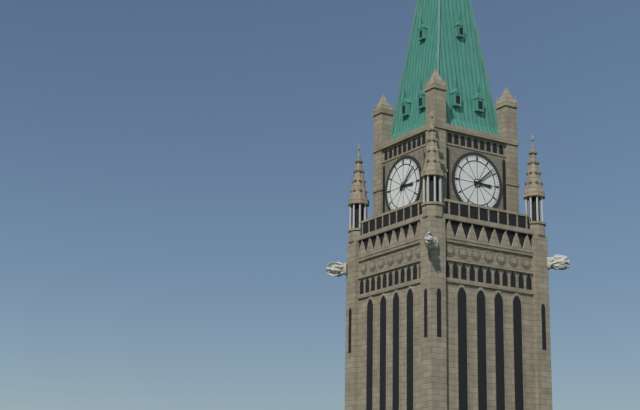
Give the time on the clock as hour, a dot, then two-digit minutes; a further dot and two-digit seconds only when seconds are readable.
3.08
